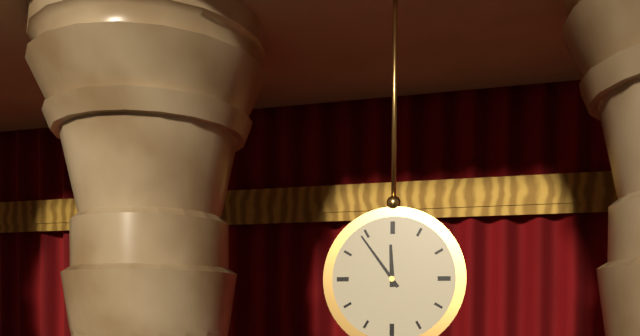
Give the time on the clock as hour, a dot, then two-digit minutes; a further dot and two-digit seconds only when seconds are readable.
11.54
